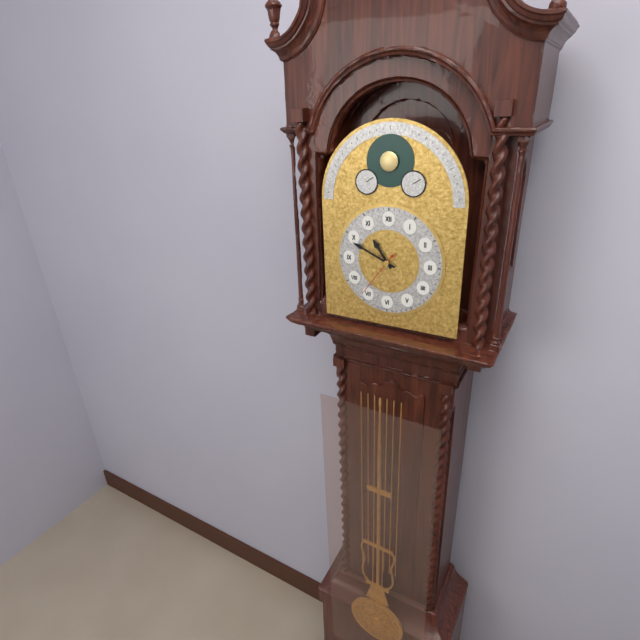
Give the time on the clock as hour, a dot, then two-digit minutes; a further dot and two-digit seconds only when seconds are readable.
10.49
